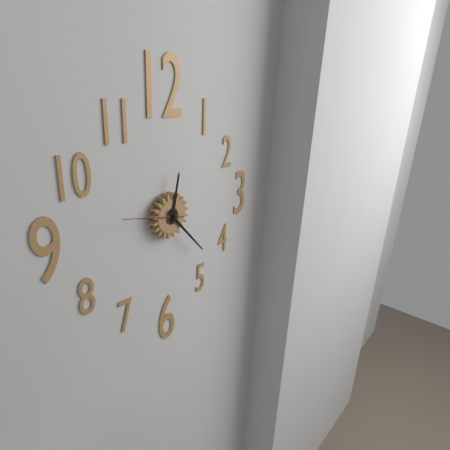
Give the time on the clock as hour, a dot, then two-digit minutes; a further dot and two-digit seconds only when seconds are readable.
12.23.47
